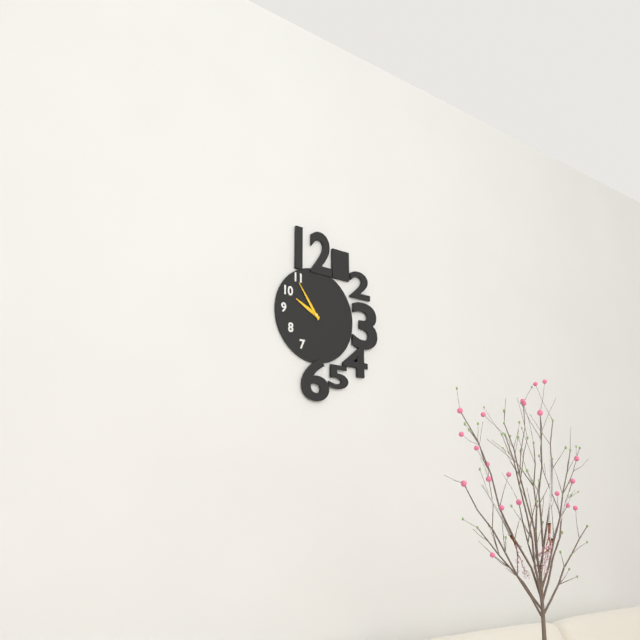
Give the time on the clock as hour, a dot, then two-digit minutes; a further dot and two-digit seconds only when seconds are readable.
9.54
